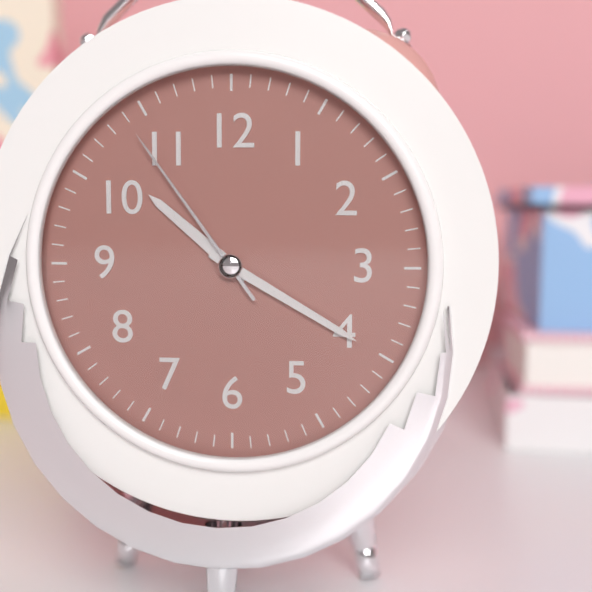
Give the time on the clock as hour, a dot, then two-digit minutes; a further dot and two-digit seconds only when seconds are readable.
10.20.54
